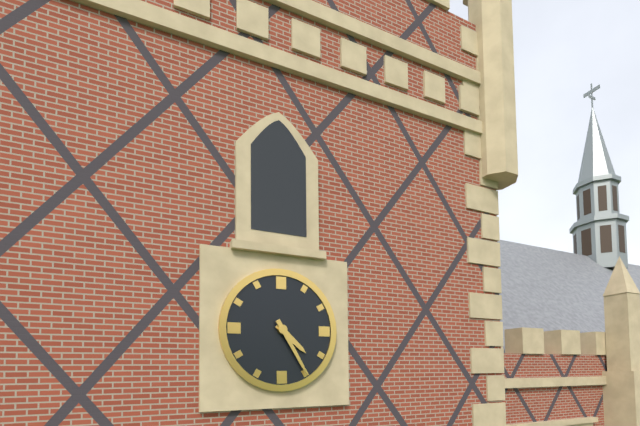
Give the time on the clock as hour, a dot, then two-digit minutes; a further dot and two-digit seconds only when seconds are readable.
4.25
